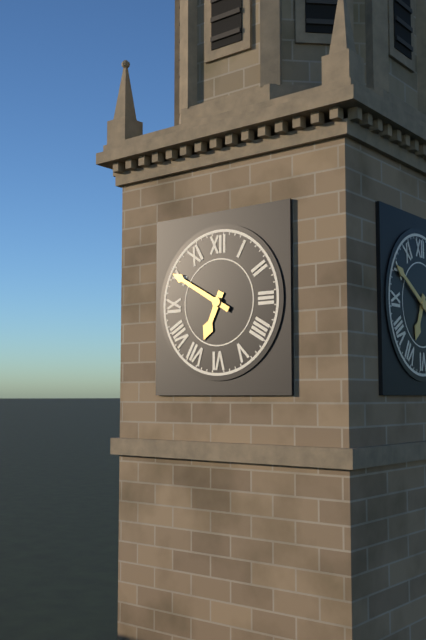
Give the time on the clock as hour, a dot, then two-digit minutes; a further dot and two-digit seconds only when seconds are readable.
6.50
